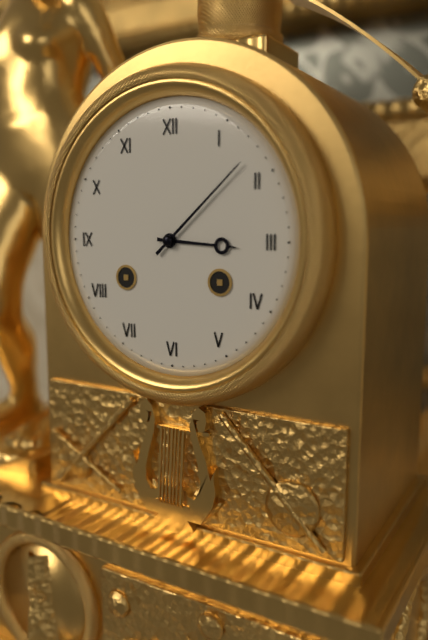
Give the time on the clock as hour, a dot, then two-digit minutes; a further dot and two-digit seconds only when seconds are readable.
3.08
